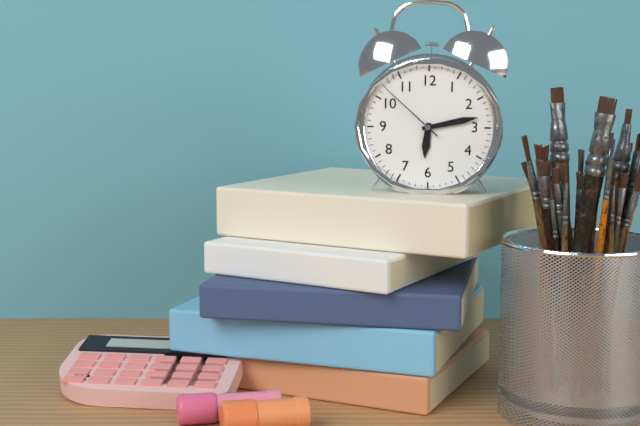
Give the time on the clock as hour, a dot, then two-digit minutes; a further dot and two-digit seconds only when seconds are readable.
6.13.52
